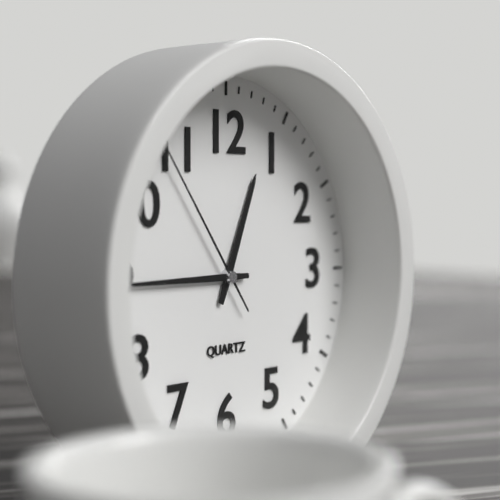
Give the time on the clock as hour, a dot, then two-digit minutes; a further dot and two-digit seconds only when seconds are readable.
12.45.54
